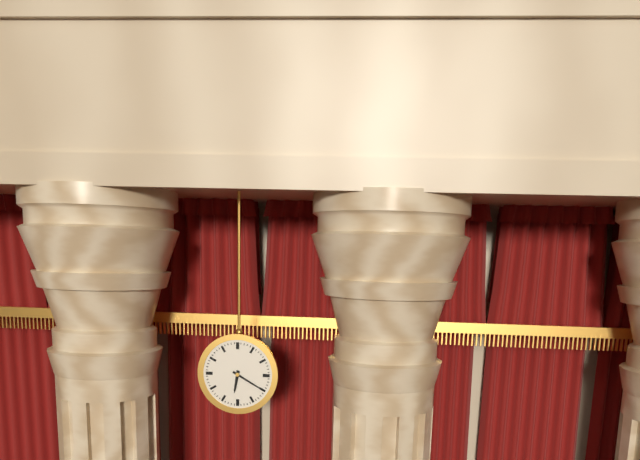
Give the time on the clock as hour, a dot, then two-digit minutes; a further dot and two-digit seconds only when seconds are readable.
6.20
